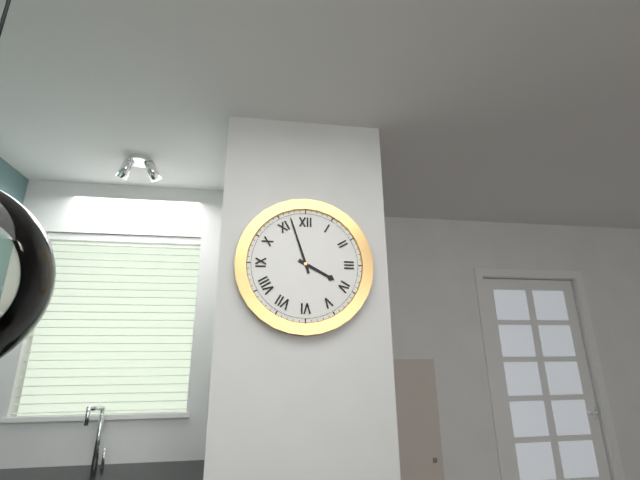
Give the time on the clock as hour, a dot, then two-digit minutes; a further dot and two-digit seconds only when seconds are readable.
3.57
